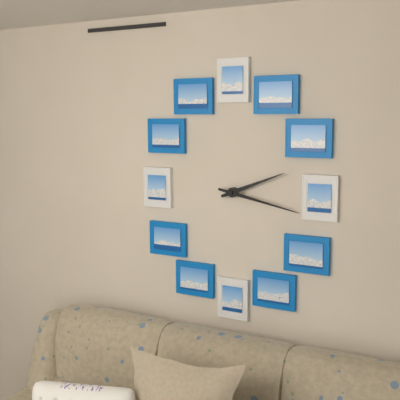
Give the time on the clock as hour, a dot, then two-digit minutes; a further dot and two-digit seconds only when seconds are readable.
2.17
